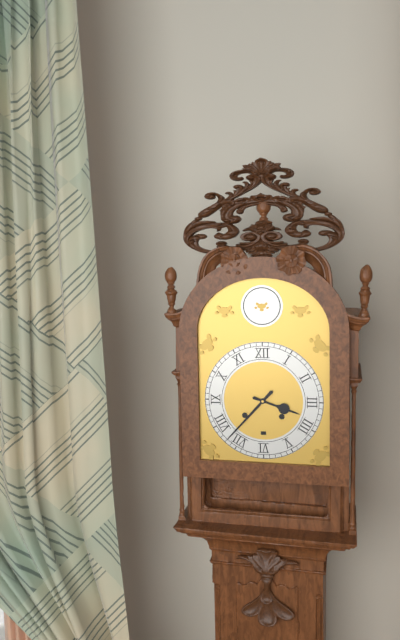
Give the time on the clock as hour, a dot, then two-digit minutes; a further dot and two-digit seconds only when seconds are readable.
3.37
